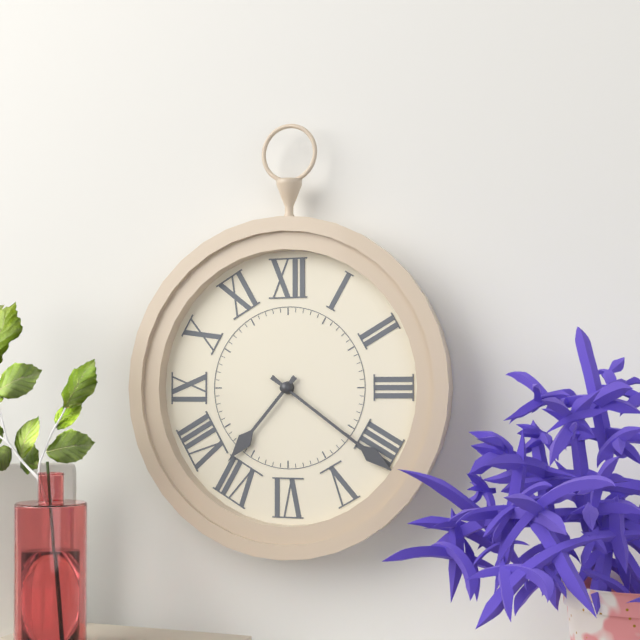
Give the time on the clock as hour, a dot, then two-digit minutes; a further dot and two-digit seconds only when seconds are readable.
7.21
